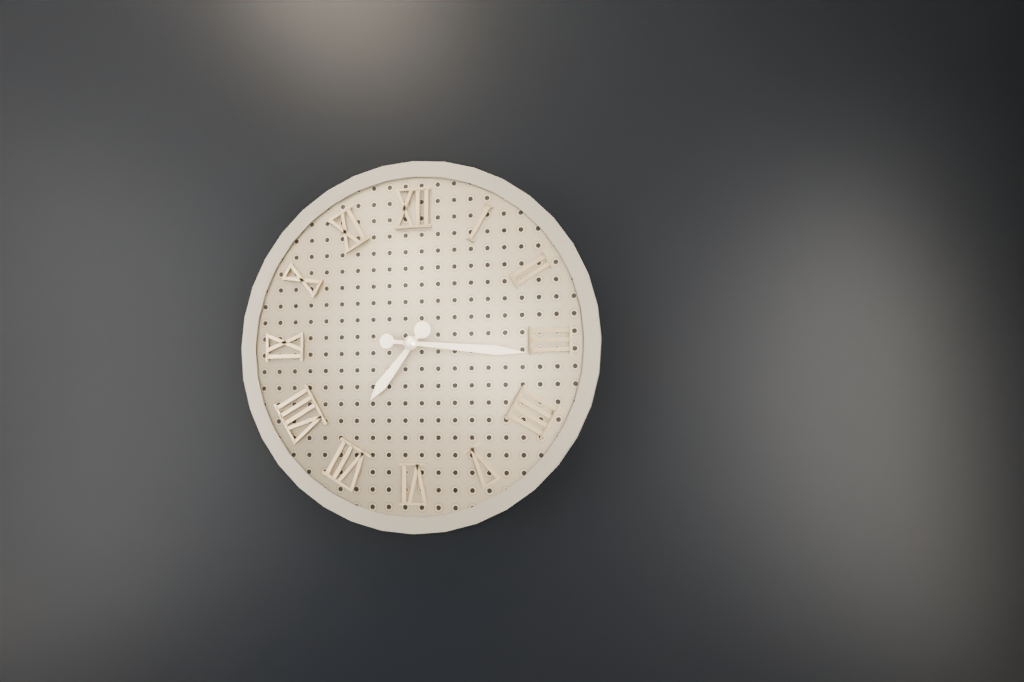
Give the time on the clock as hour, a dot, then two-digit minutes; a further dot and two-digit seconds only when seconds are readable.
7.16
